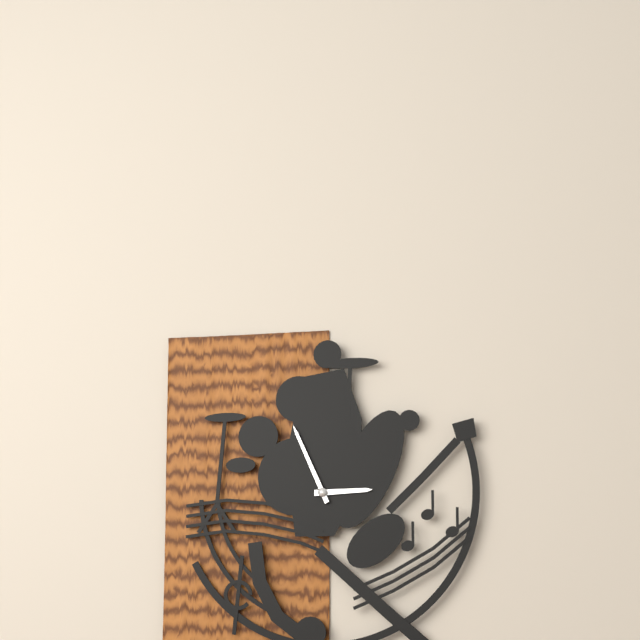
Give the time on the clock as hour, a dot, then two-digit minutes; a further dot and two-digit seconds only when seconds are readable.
2.56
